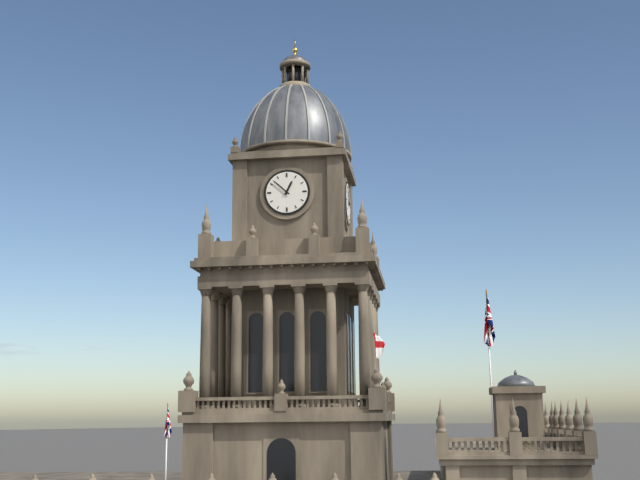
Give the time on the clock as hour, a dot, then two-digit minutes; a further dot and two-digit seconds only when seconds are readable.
12.52
